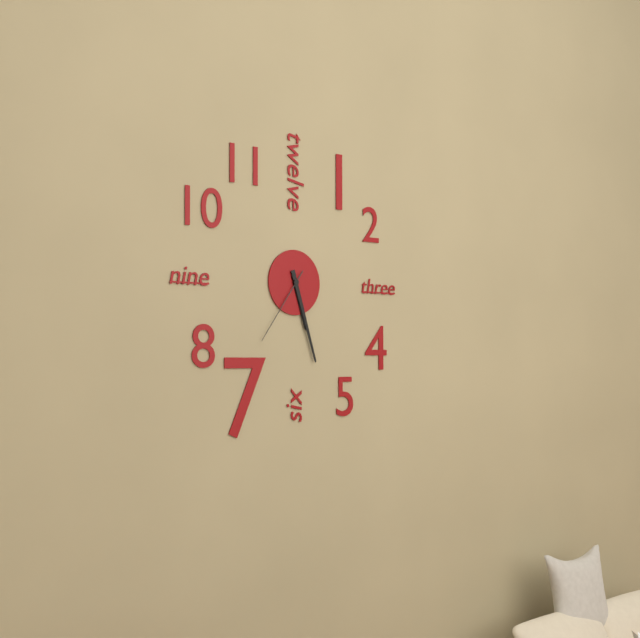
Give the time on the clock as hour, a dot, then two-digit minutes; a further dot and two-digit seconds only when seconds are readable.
5.27.36
